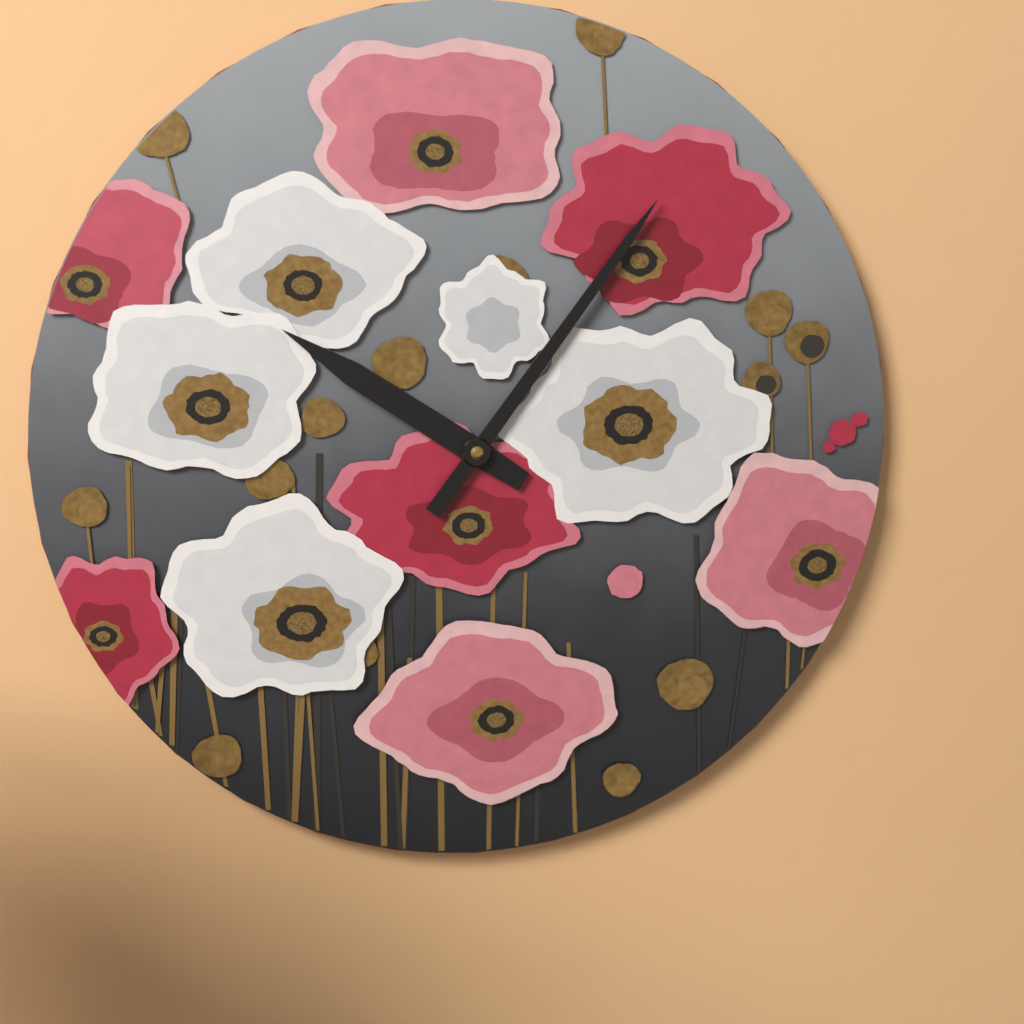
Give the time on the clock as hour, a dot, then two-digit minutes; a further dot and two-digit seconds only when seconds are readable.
10.06
